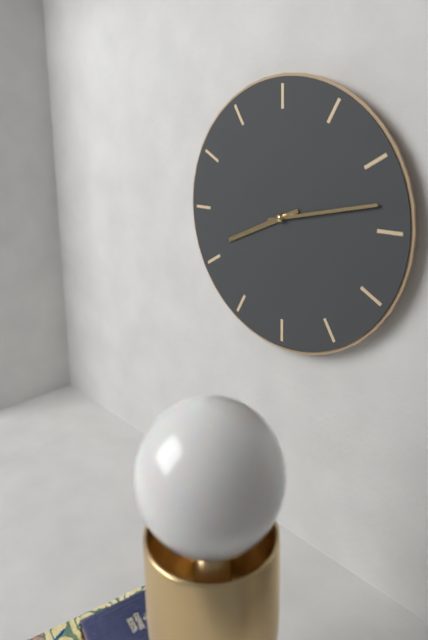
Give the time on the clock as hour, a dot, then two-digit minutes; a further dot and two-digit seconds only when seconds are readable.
8.13
